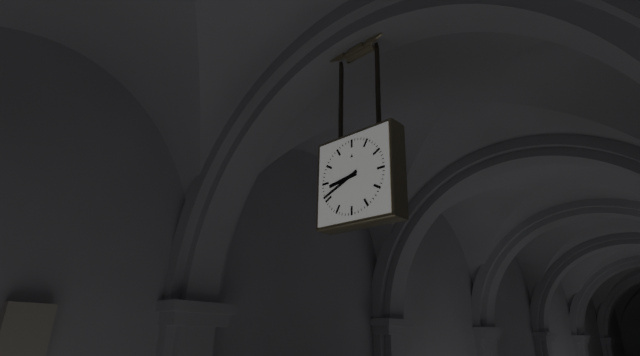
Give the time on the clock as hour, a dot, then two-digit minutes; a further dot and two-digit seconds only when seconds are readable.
8.41
